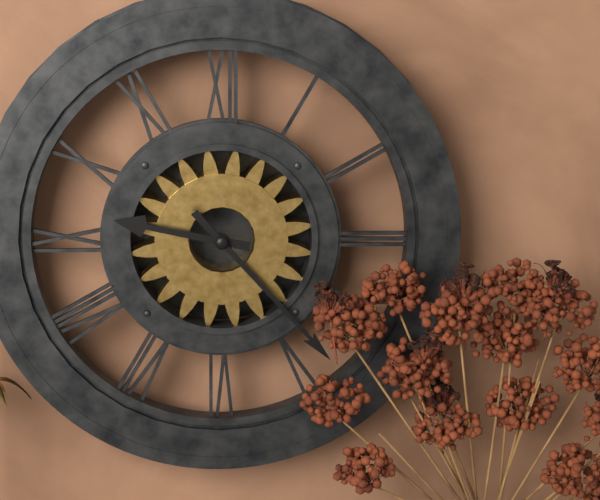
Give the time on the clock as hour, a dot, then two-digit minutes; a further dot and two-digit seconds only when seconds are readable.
9.23
